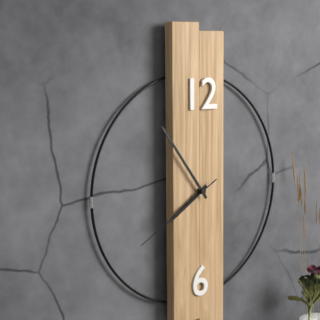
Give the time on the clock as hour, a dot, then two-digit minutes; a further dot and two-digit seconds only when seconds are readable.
7.54.40
